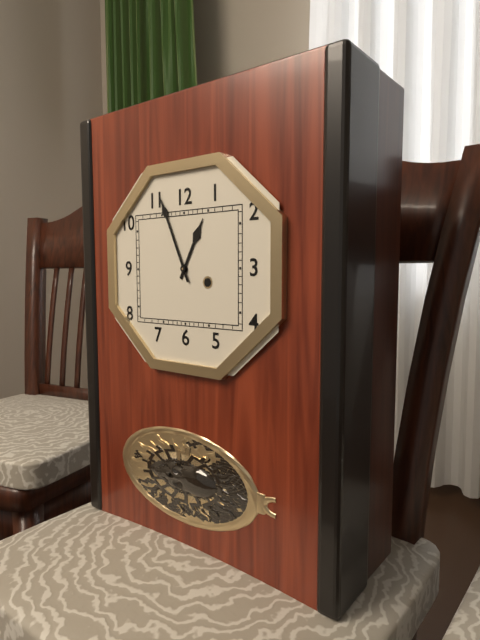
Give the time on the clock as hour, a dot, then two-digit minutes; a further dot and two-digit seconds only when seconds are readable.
12.56
